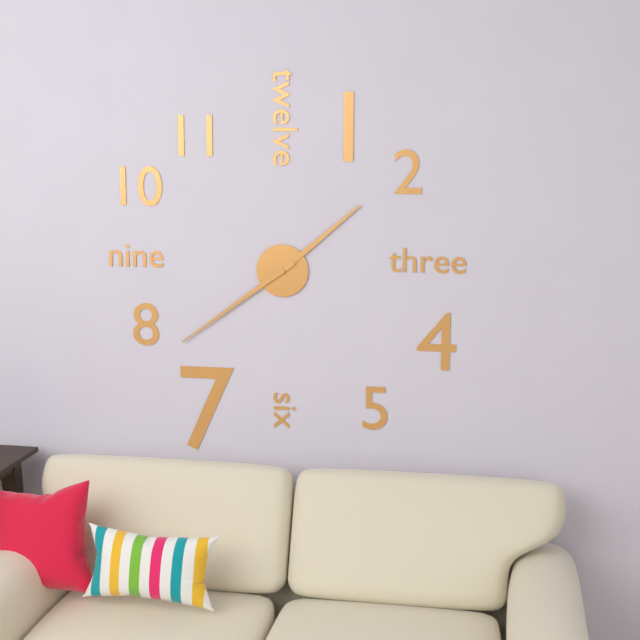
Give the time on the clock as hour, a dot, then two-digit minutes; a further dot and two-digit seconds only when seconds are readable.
1.39
